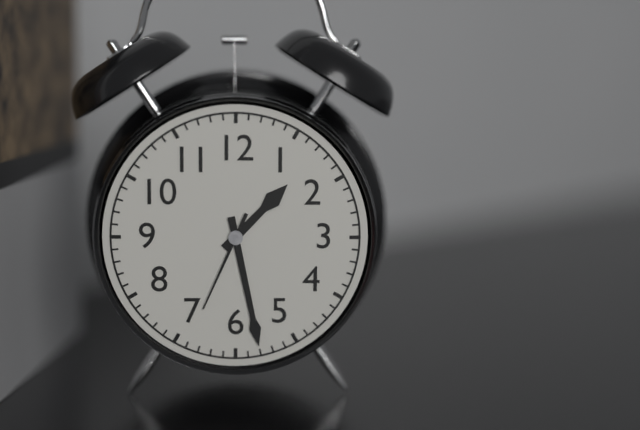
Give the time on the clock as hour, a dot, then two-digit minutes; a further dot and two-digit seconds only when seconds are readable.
1.28.34
